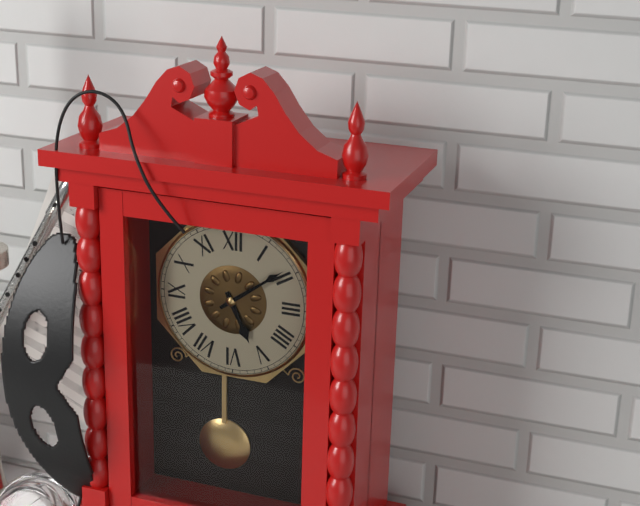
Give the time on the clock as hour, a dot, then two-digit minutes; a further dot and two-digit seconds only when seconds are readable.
5.09
